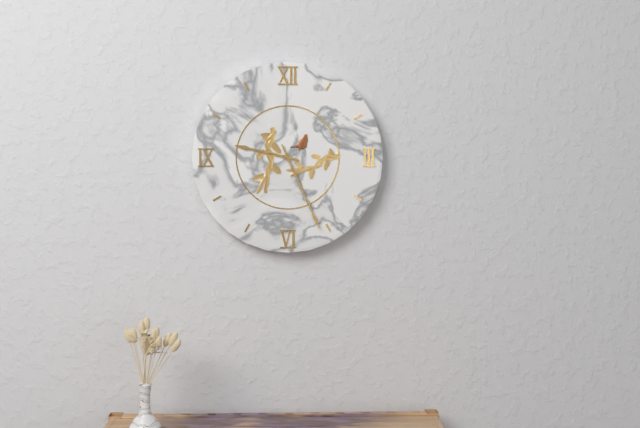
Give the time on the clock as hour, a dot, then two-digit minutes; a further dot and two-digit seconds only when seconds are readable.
9.26
